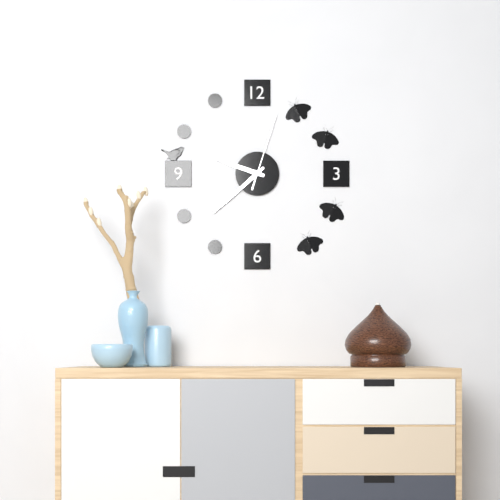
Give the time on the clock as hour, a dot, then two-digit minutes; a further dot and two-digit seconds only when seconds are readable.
9.38.03
